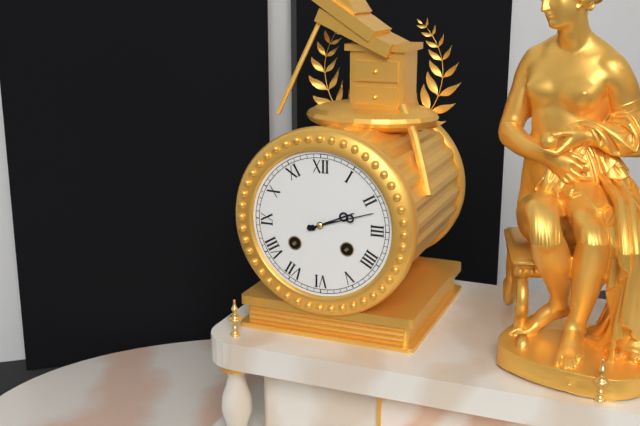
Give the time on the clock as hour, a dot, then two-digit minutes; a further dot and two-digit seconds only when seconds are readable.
2.12
